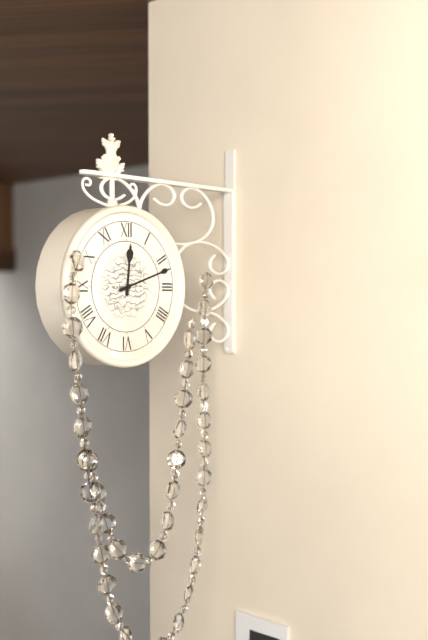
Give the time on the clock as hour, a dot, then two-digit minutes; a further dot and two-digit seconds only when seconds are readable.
12.12
